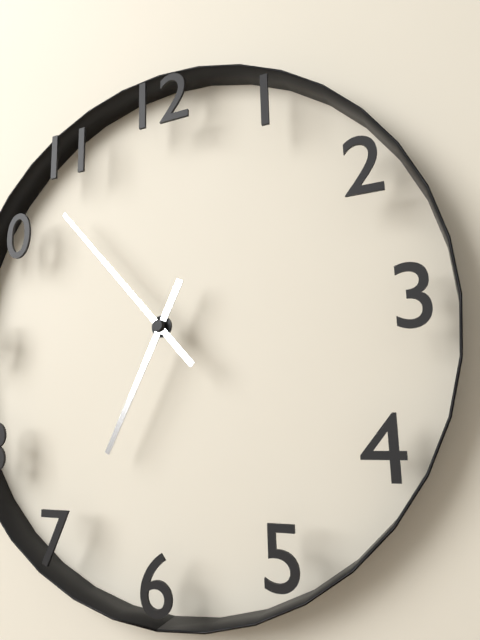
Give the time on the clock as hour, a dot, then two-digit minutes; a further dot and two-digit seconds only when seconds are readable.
6.53
